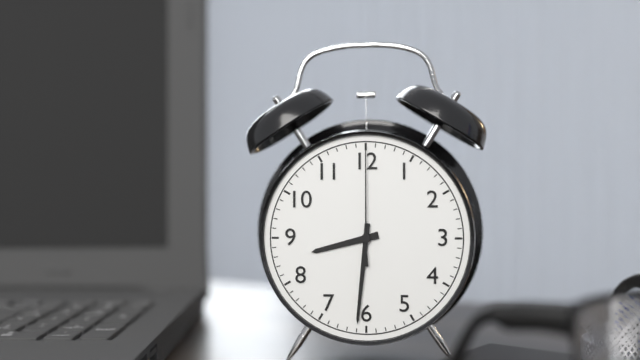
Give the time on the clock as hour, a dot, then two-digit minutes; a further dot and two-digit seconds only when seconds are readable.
8.31.00
